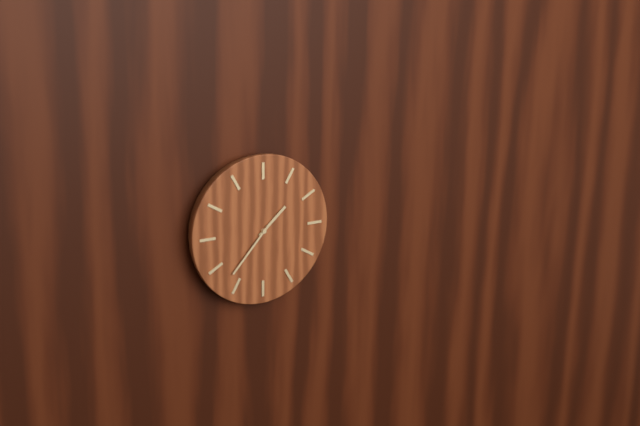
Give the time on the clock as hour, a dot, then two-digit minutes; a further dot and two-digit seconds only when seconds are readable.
1.37
